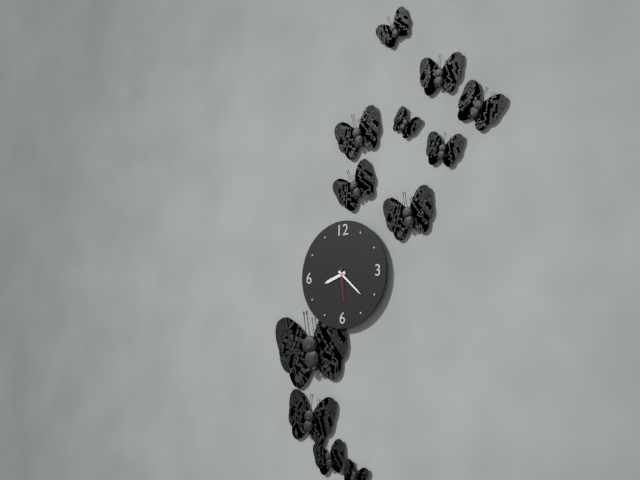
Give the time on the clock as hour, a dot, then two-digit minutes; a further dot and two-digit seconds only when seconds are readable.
8.22
